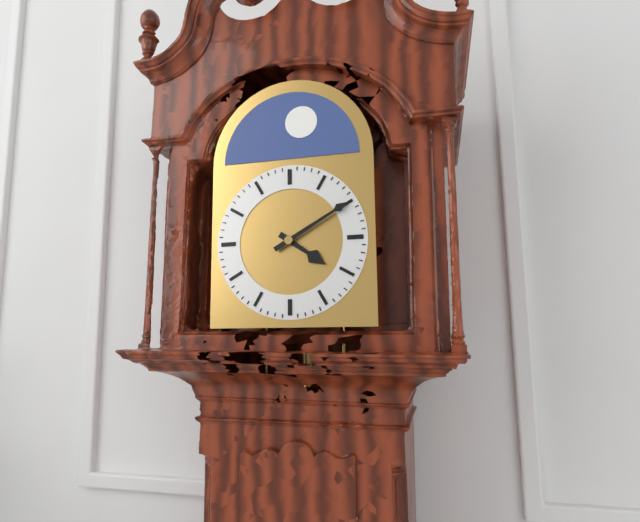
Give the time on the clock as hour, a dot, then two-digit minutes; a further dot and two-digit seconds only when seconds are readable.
4.10
